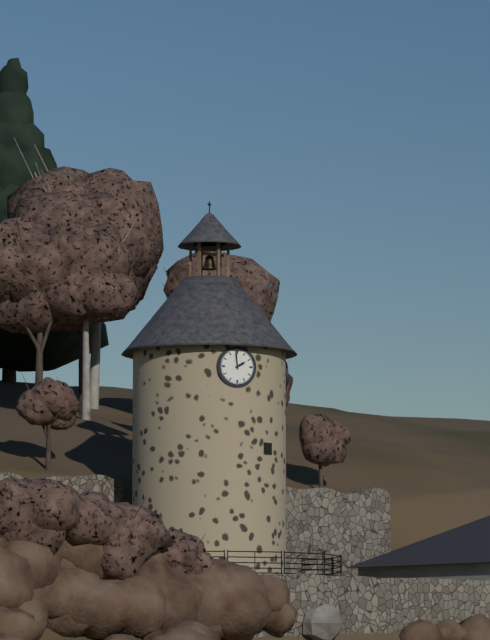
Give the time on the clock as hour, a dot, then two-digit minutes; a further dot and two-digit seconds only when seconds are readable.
1.59
